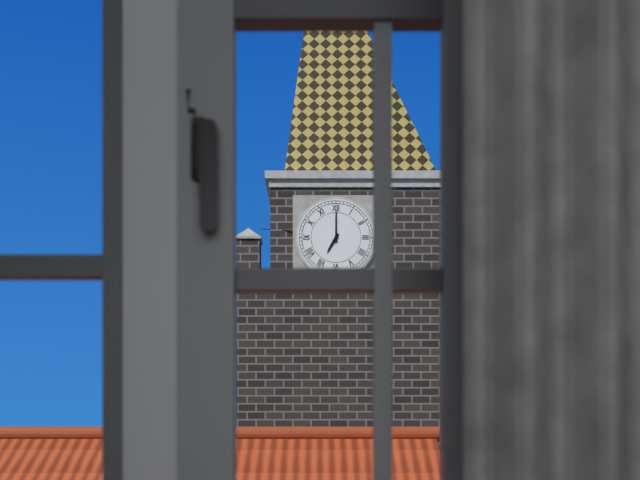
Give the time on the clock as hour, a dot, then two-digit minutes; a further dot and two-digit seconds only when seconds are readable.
7.00
